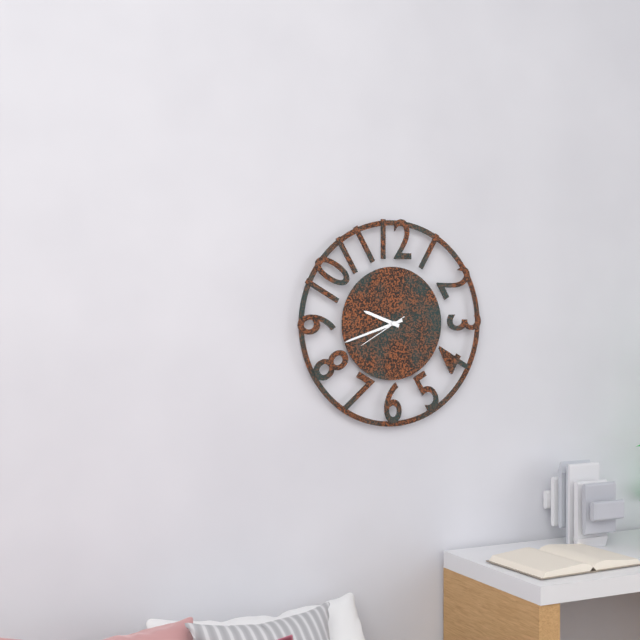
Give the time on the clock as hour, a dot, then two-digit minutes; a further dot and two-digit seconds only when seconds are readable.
9.42
